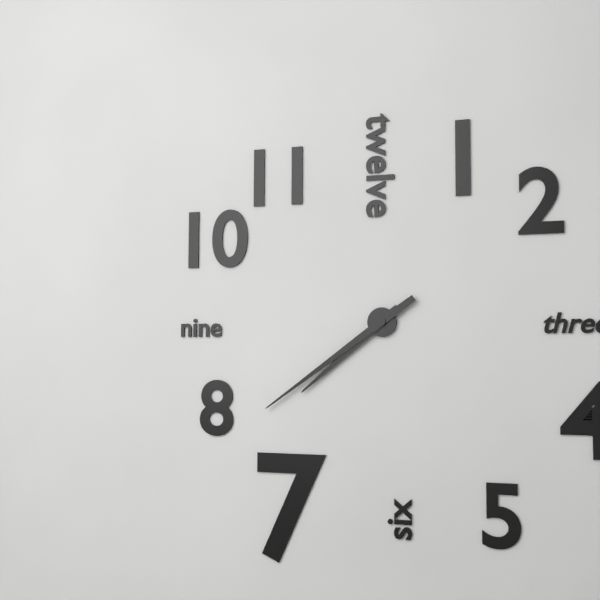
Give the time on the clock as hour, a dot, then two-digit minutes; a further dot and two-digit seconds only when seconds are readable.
7.39
